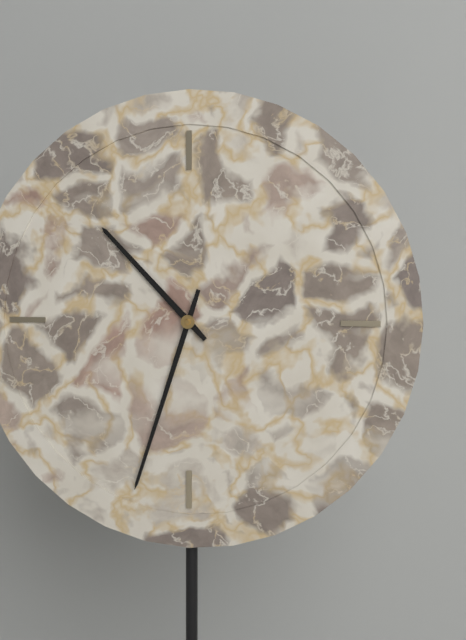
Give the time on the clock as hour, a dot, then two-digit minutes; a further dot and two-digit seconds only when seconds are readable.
10.33
